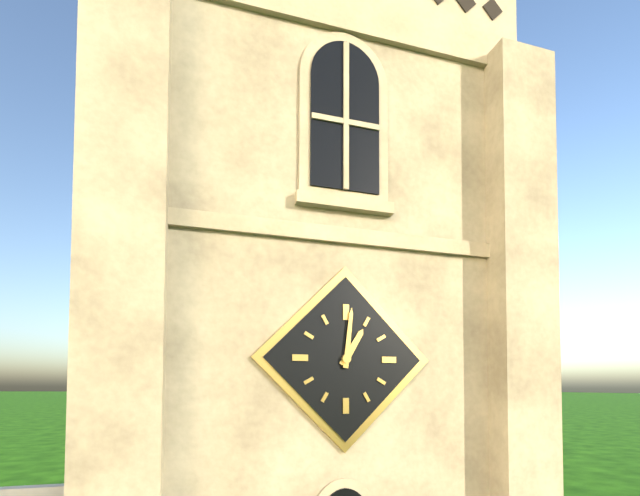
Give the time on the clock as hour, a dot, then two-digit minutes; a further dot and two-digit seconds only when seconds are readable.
1.01
